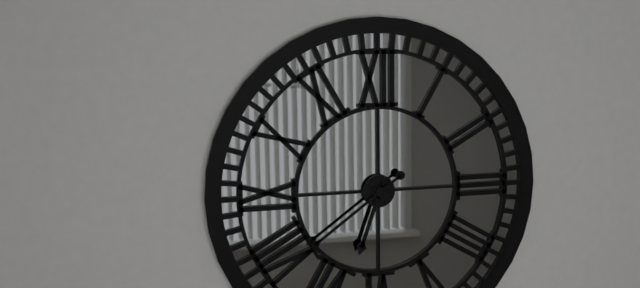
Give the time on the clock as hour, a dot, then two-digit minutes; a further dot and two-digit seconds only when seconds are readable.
6.39
